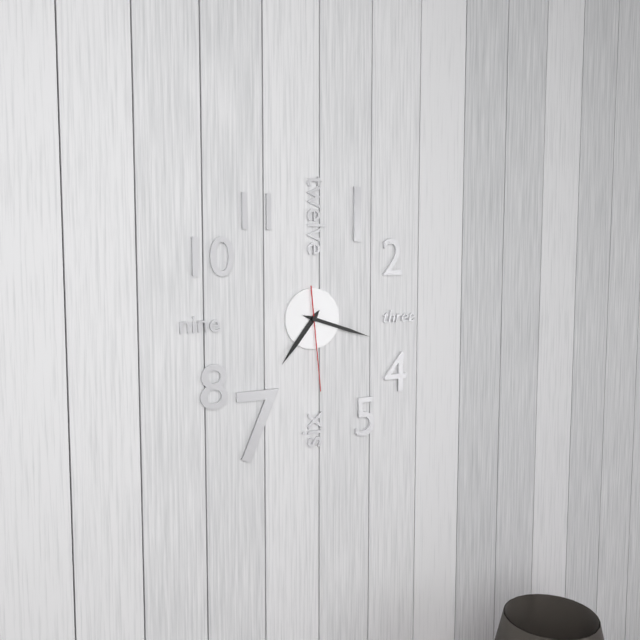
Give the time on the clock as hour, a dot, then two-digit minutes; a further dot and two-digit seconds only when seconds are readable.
7.18.29
